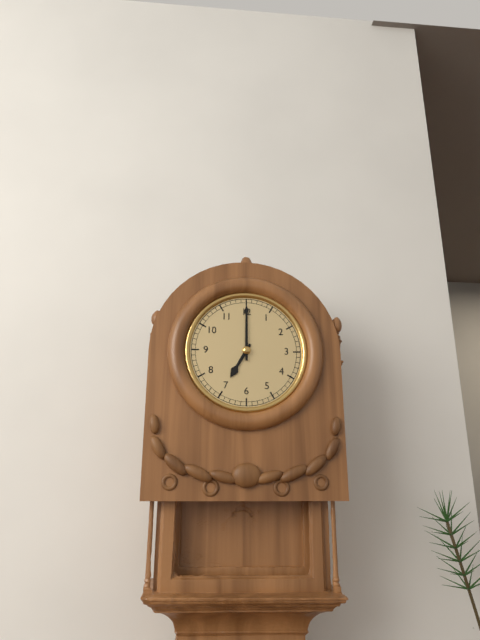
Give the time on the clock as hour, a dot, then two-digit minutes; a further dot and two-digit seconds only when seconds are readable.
7.00
